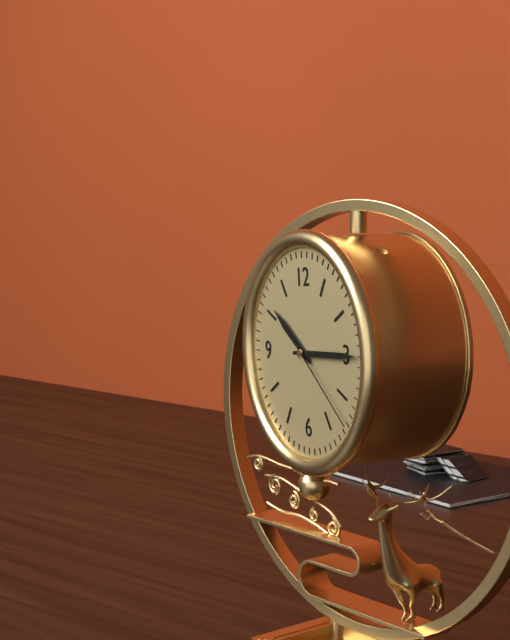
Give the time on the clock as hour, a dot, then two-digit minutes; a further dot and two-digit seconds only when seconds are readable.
10.15.22
